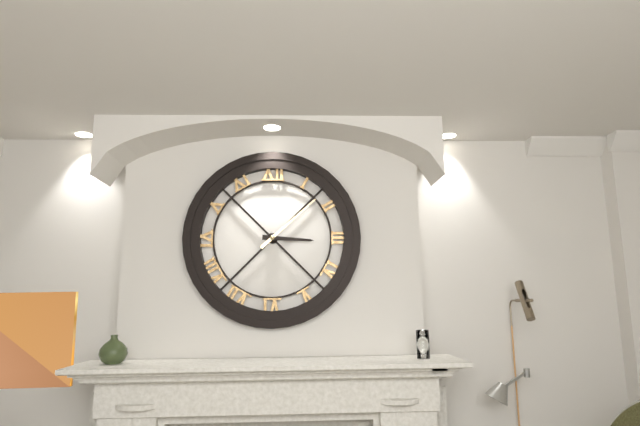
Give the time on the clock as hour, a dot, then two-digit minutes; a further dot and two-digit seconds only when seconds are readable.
3.08
